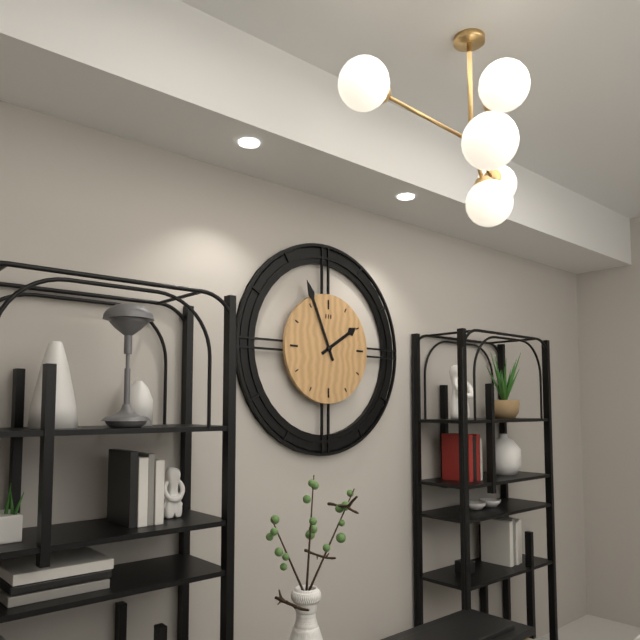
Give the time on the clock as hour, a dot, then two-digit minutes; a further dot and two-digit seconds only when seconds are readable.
1.56
